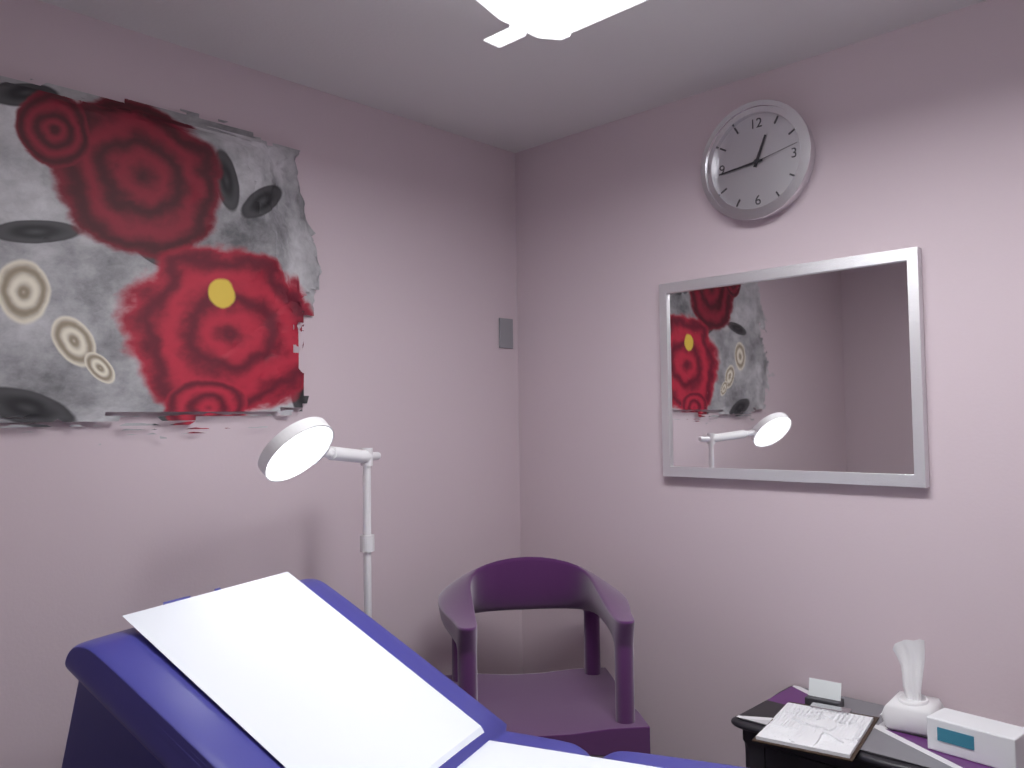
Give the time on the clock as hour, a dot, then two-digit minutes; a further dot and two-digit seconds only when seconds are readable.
12.44.13
